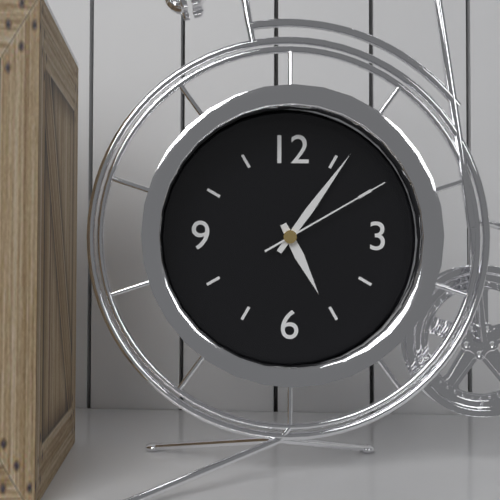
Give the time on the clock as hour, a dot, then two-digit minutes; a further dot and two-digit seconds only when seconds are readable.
5.06.10
